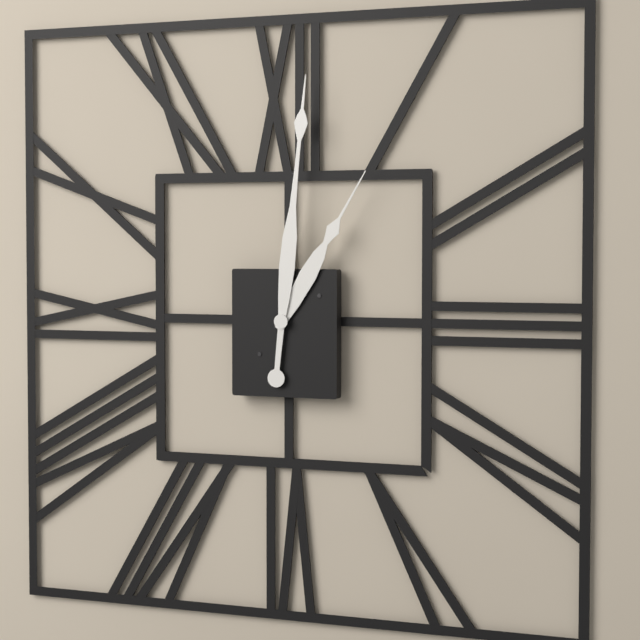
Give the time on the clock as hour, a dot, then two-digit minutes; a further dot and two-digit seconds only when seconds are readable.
1.01
